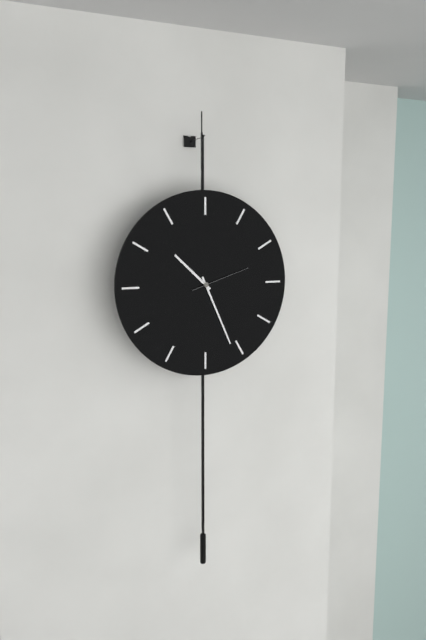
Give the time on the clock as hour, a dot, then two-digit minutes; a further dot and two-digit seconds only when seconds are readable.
10.26.12
